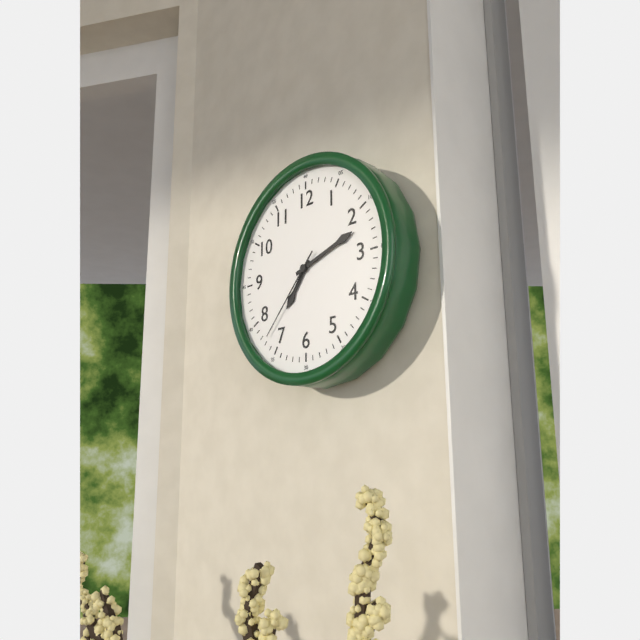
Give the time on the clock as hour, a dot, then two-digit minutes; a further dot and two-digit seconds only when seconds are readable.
7.12.37
